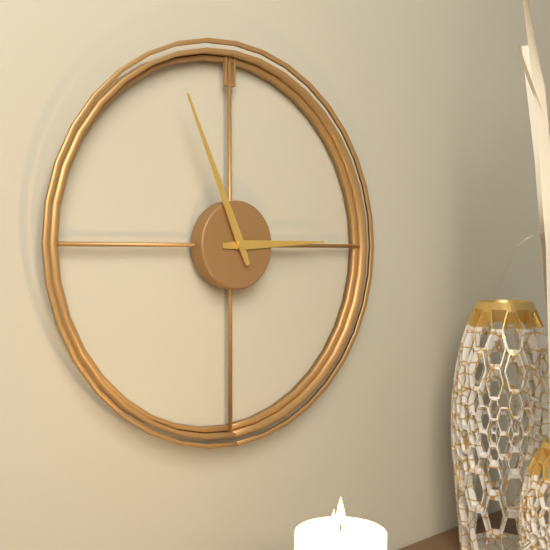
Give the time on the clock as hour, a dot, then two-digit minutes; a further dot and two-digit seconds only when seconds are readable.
2.56
